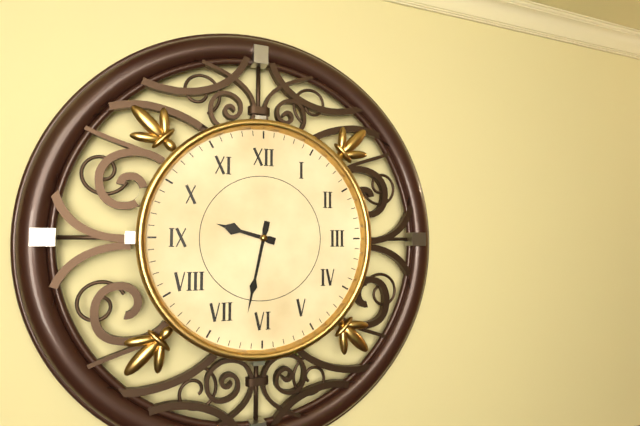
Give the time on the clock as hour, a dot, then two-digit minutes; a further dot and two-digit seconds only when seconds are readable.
9.32
